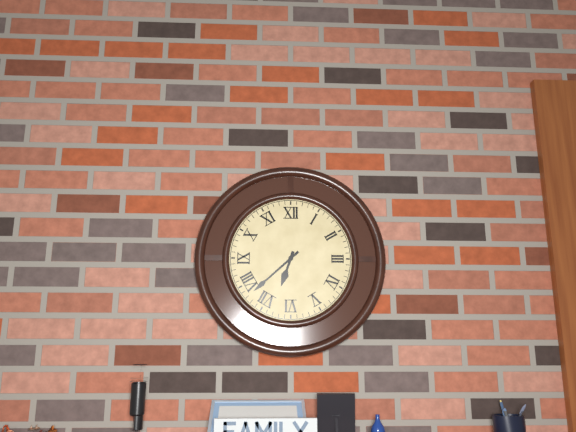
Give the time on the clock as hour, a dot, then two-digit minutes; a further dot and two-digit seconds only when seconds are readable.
6.38
